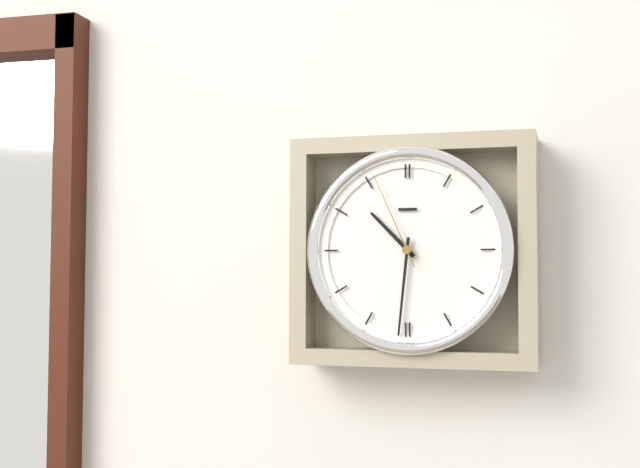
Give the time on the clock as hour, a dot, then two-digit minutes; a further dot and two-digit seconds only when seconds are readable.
10.31.56
